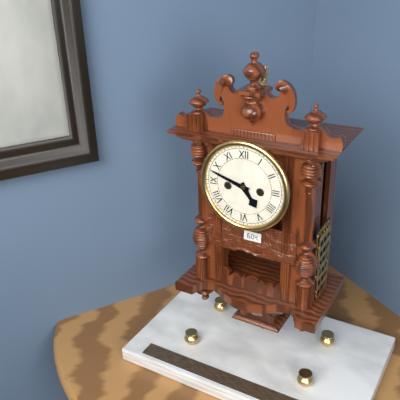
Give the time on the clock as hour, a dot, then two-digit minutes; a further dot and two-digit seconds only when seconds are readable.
4.48
